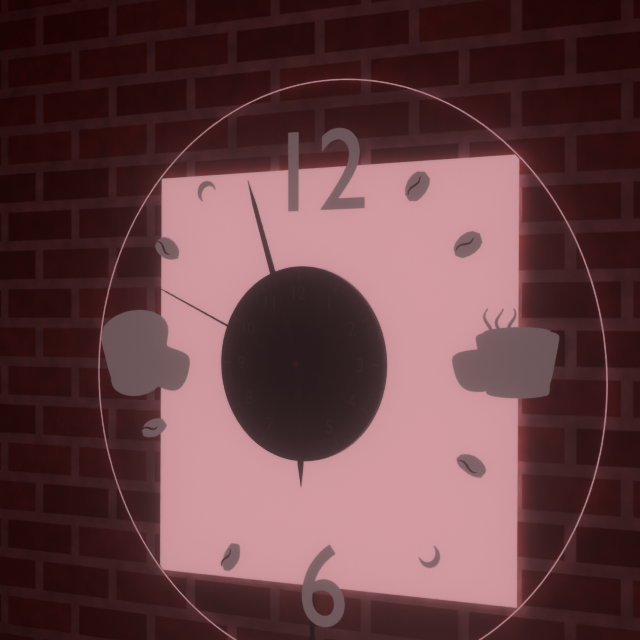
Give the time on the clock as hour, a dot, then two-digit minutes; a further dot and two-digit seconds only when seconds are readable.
5.57.49
